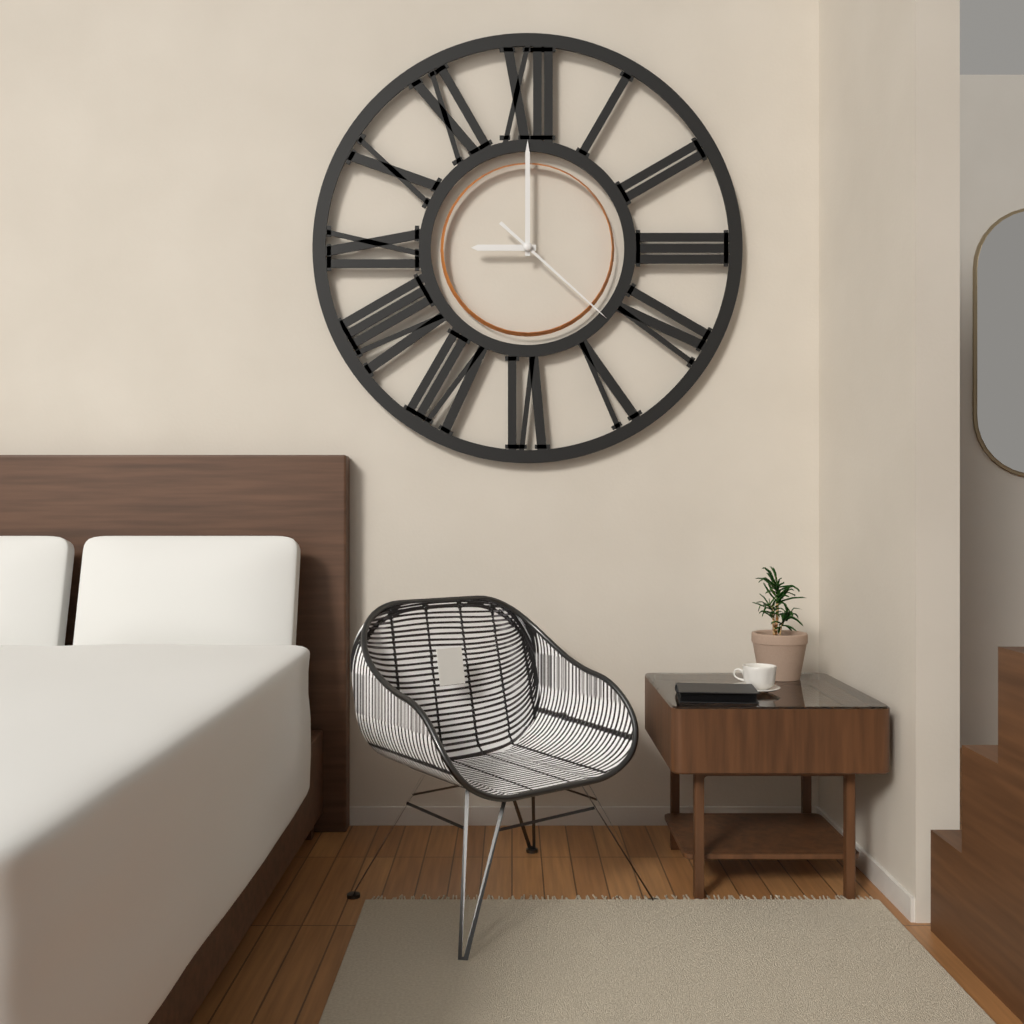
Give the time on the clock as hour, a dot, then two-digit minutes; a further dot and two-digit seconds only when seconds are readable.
9.00.22
